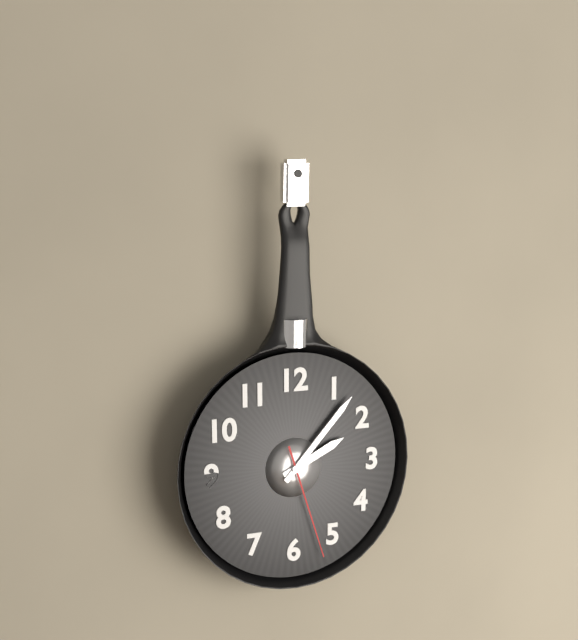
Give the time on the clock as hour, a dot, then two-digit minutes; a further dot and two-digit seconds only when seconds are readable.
2.07.27
